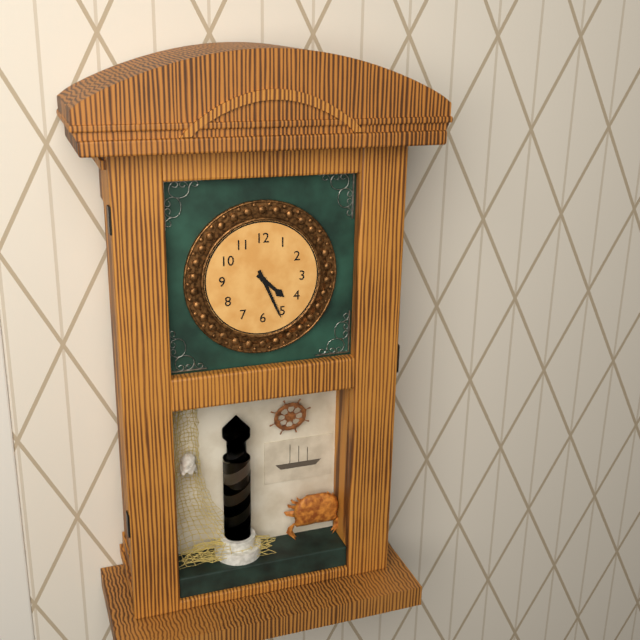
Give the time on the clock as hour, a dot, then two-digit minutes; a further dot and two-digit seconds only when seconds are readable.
4.26
